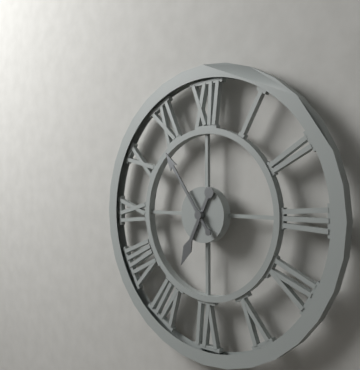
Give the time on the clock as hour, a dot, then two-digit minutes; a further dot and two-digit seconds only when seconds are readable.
6.54
